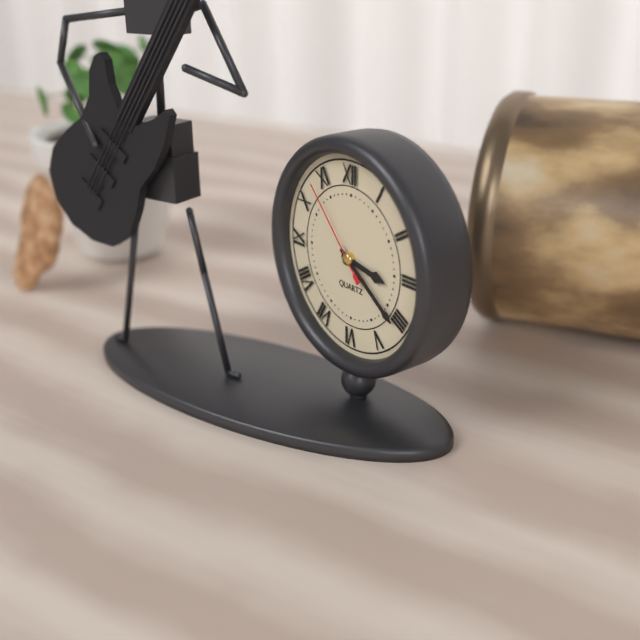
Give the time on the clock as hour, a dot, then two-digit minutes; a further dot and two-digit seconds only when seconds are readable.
3.21.53
